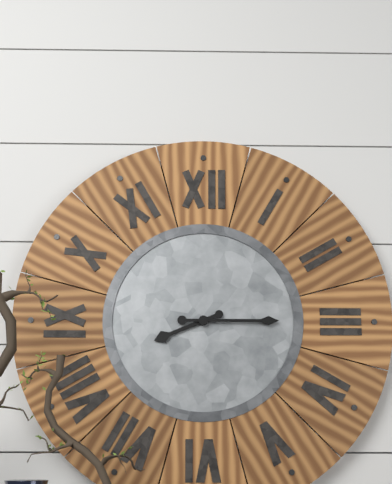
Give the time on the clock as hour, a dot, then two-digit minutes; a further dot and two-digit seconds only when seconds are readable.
8.15
